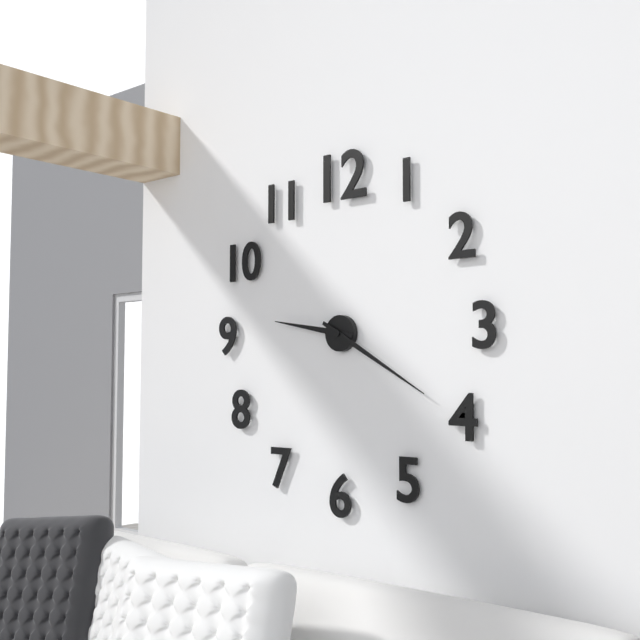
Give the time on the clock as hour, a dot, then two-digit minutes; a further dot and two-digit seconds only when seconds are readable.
9.20
